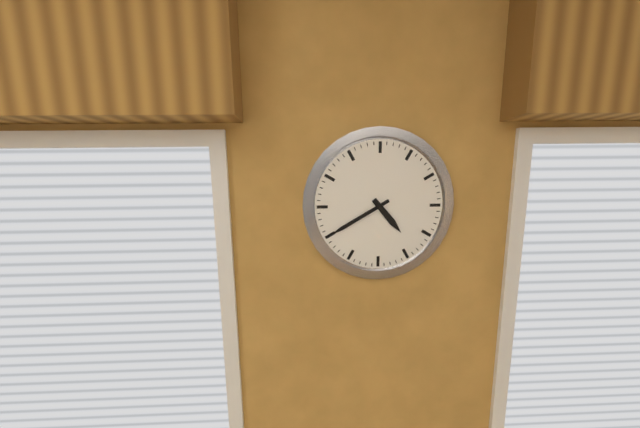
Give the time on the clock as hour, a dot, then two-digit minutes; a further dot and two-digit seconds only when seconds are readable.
4.40
